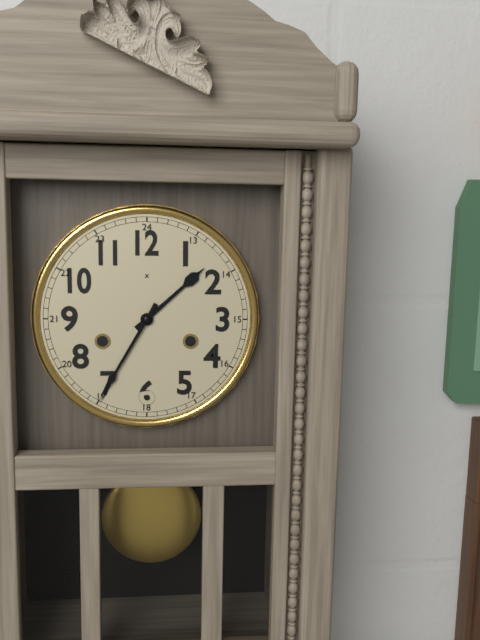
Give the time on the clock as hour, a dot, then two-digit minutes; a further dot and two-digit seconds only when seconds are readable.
1.35
